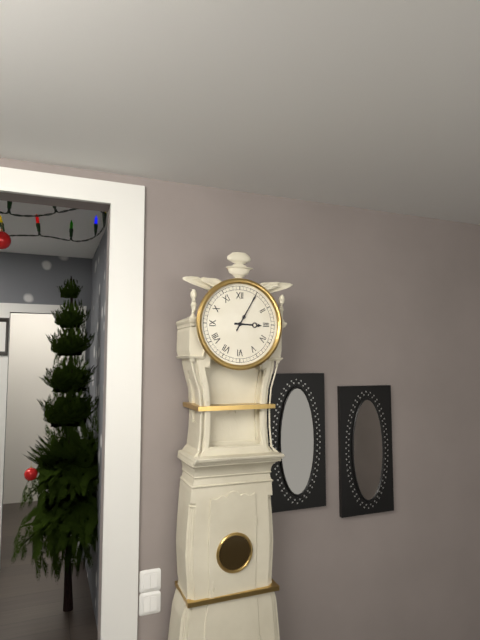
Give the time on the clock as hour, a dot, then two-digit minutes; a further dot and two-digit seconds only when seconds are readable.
3.05
